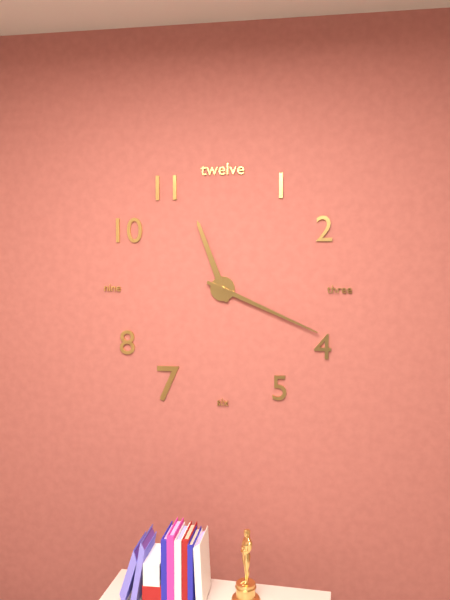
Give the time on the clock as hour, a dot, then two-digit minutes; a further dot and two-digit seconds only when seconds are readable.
11.19
